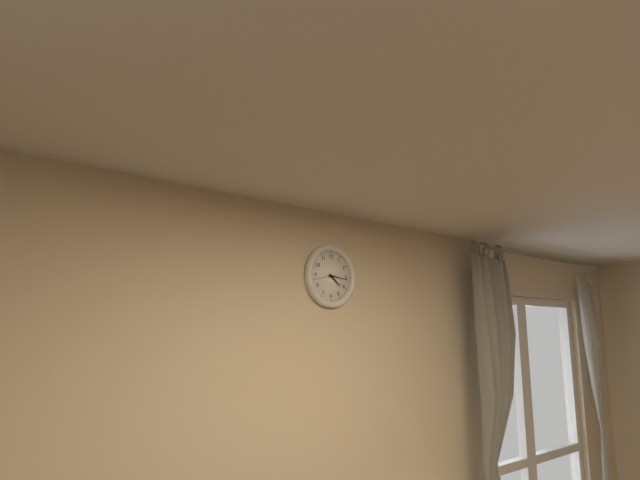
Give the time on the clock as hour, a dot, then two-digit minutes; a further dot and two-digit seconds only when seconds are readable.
4.16
